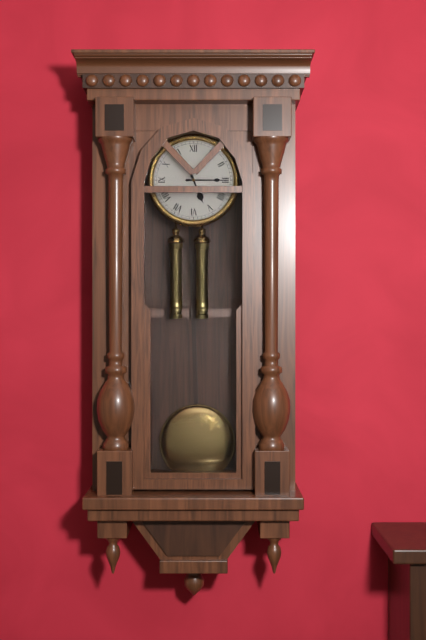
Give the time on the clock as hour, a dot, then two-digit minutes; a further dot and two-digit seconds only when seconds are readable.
5.15
